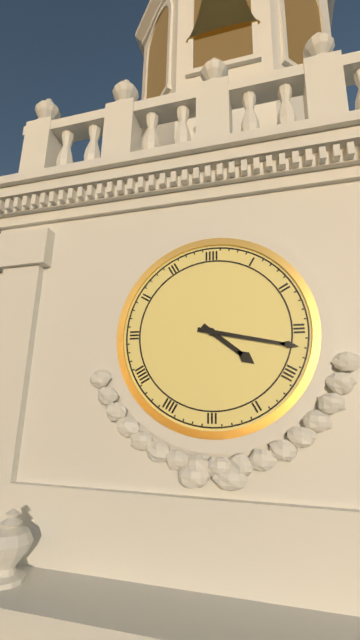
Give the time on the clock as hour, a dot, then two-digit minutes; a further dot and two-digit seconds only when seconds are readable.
4.17
